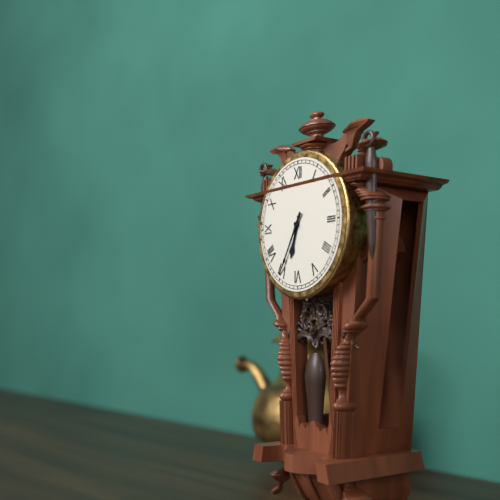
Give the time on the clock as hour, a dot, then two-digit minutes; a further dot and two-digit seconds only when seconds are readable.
6.35
